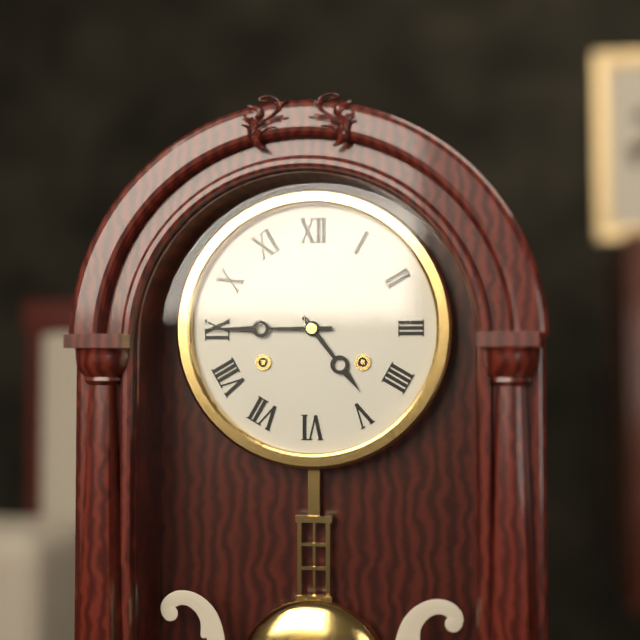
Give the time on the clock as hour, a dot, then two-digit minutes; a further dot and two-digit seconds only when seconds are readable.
4.45
